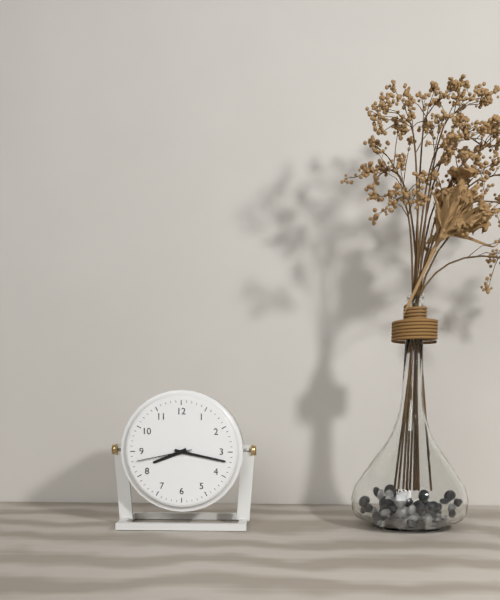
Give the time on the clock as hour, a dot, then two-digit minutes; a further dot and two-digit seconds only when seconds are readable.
8.17.43
